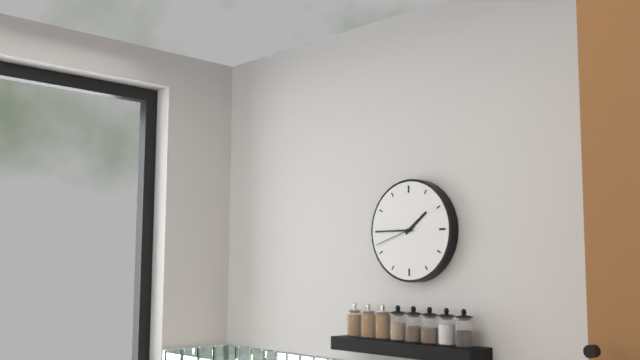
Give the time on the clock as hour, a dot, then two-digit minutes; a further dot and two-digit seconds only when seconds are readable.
1.45
